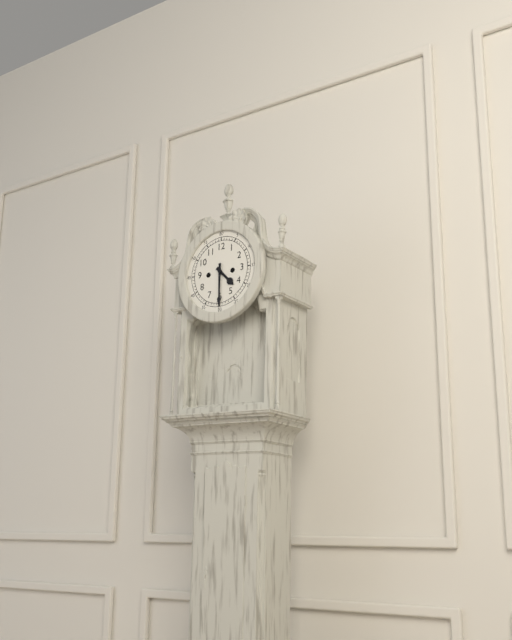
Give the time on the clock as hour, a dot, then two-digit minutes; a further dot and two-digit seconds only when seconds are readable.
4.30
